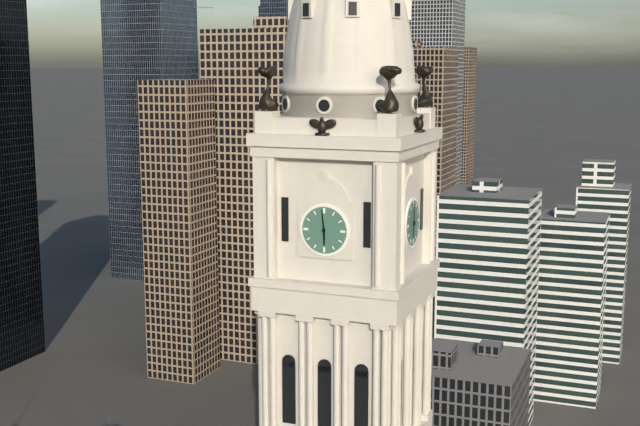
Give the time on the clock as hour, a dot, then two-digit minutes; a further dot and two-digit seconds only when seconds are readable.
5.59
